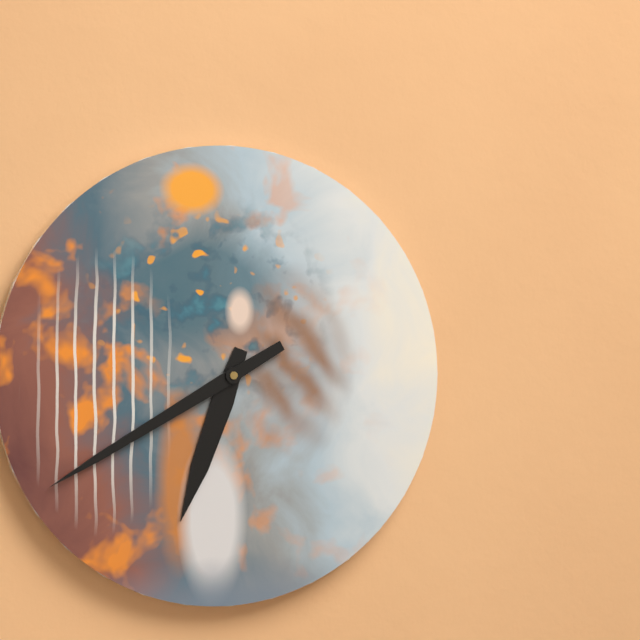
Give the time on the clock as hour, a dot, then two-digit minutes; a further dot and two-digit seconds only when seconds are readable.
6.40
